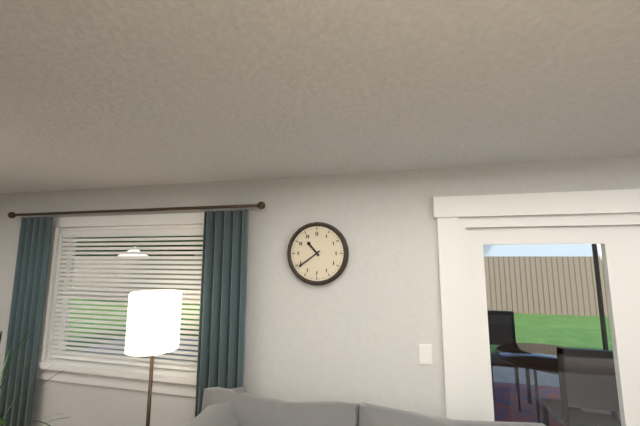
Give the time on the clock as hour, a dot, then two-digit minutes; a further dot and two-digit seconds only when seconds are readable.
10.39
